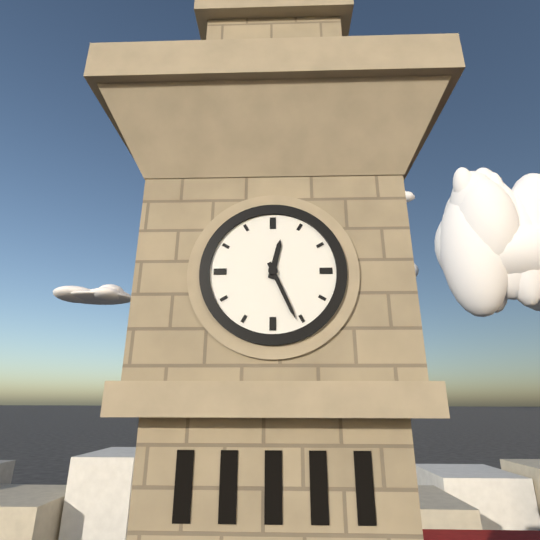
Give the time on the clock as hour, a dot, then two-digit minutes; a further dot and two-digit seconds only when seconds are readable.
12.26
